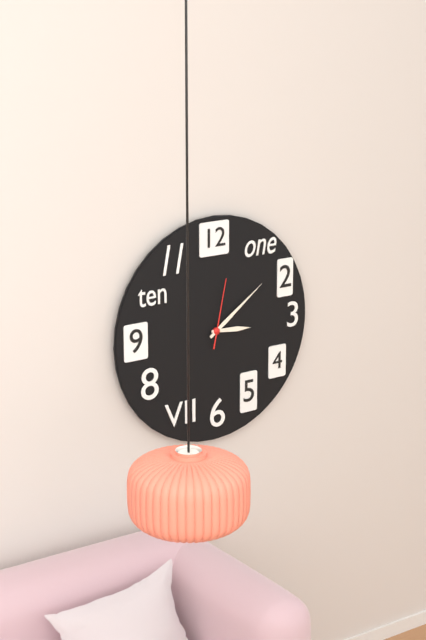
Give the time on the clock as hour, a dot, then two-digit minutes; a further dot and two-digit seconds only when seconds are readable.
3.09.02
